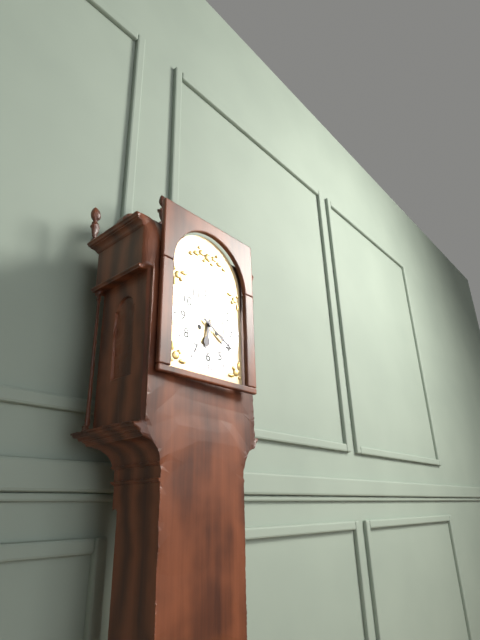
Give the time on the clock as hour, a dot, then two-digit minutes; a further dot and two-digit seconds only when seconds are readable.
6.20
